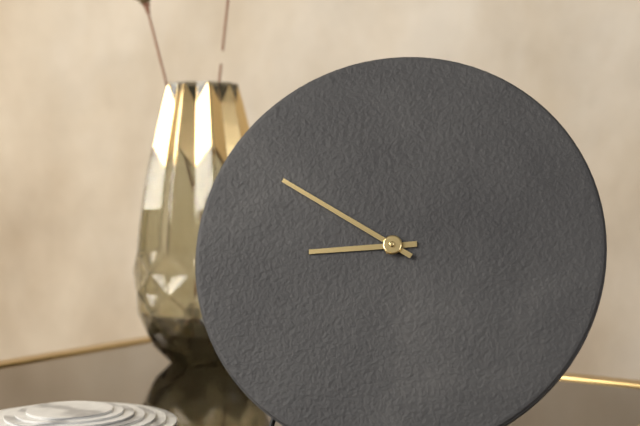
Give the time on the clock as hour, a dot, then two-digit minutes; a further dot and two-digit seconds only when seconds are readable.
8.50
